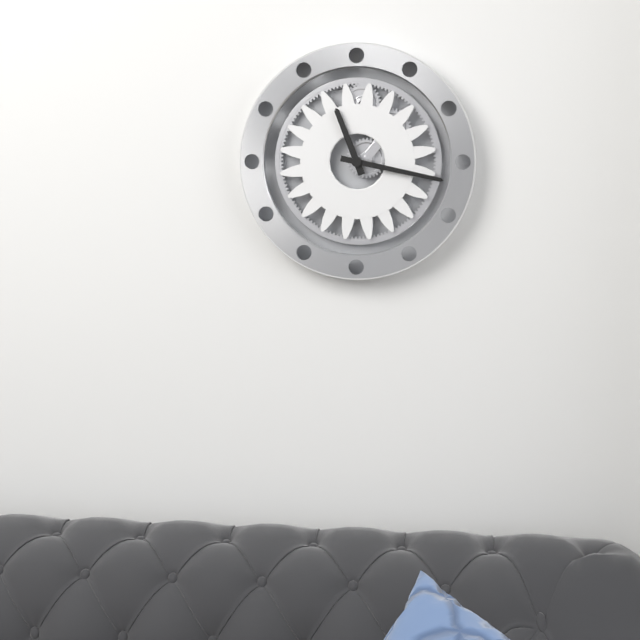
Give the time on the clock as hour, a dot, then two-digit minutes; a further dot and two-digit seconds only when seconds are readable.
11.17
